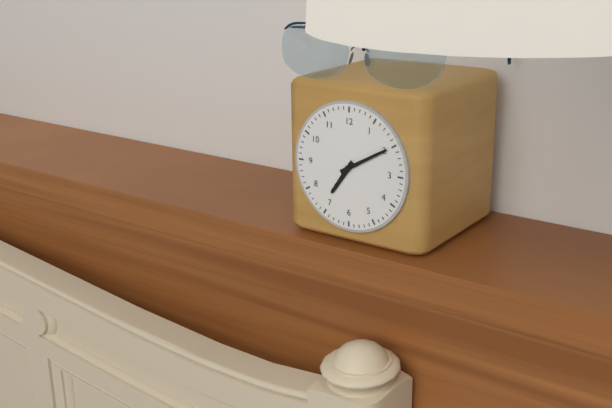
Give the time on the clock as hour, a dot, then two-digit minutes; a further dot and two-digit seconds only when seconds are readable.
7.10
